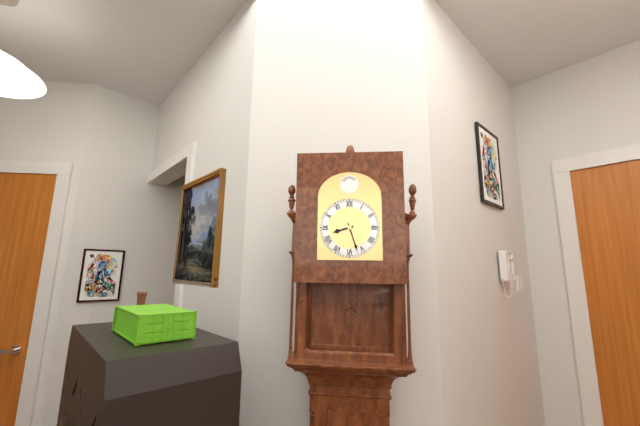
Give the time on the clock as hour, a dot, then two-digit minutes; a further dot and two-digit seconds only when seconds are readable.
8.27
